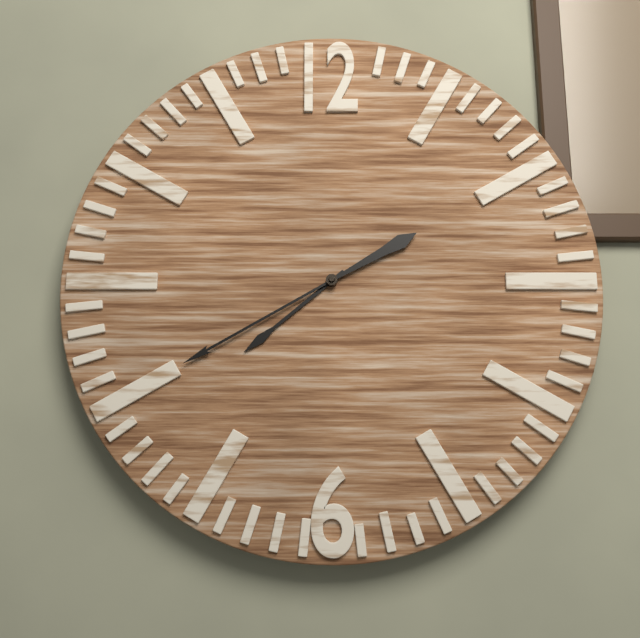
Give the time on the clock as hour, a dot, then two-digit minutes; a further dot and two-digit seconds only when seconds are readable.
7.40
